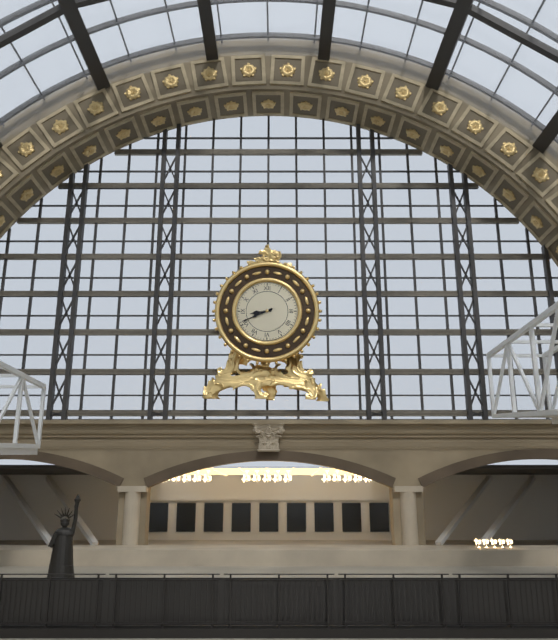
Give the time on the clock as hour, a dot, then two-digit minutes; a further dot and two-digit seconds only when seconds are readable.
8.41
